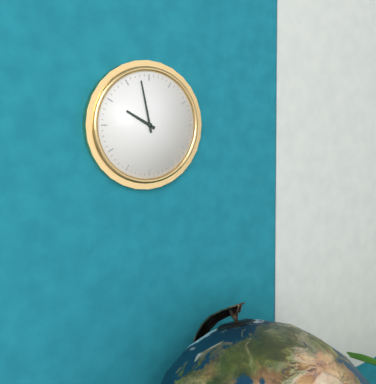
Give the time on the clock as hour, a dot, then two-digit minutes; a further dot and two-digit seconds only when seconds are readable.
9.58
